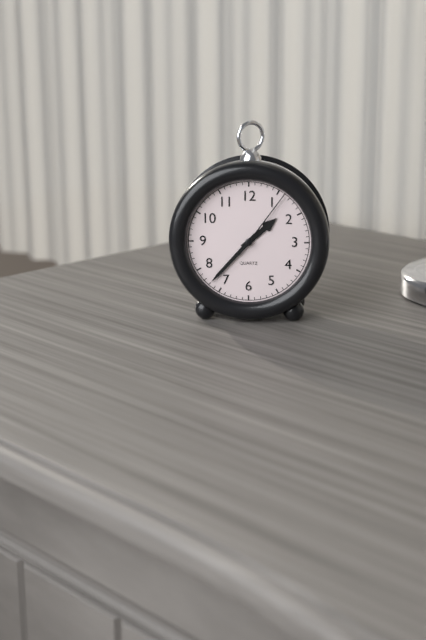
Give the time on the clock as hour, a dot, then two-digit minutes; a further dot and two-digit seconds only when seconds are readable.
1.37.06
